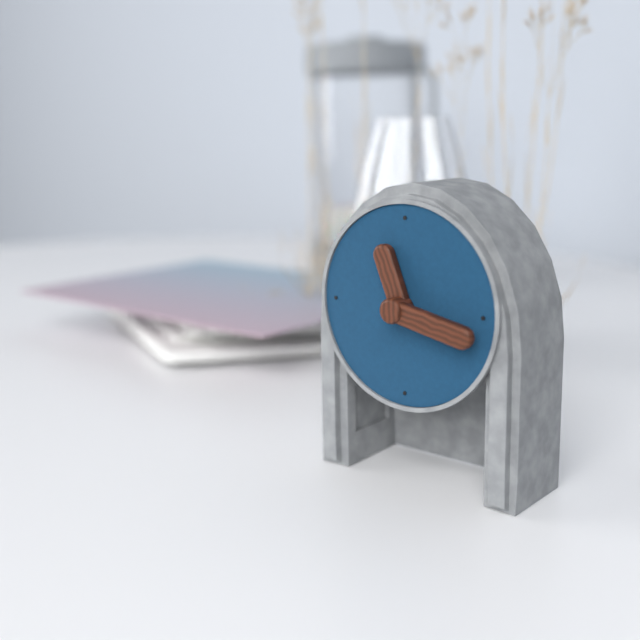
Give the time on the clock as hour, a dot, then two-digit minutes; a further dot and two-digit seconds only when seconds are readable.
11.17
